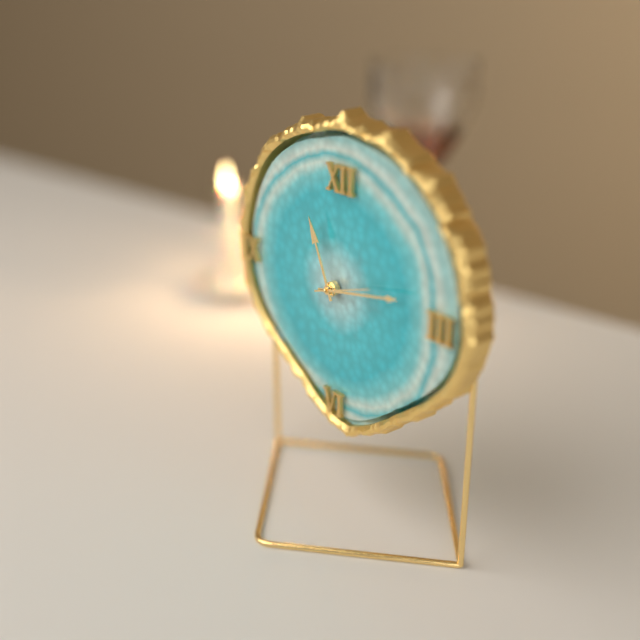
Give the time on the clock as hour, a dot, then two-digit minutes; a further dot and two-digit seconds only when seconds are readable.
11.13.12
